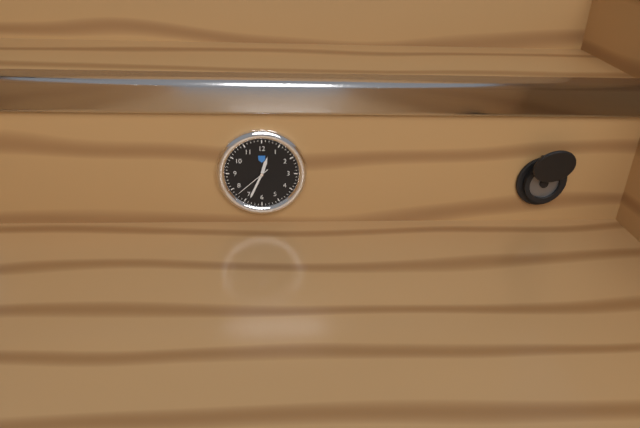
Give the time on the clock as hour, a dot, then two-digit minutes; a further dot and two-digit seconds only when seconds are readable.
12.34
